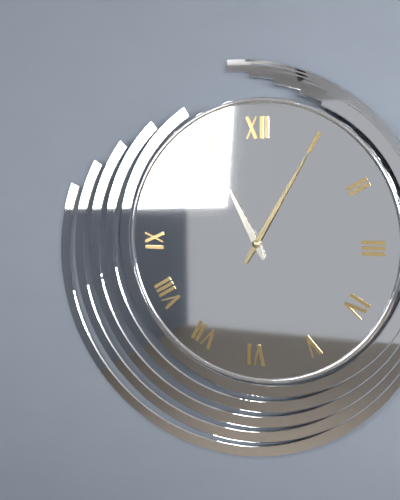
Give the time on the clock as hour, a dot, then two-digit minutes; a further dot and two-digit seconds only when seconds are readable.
11.05
